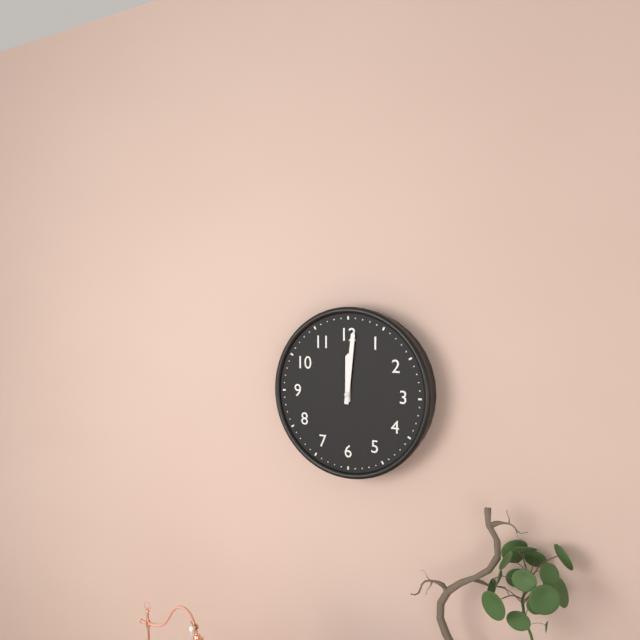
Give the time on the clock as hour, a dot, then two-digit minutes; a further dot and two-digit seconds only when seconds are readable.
12.01
